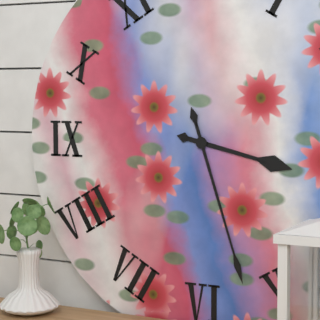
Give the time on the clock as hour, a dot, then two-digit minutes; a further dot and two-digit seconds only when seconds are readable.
3.27
